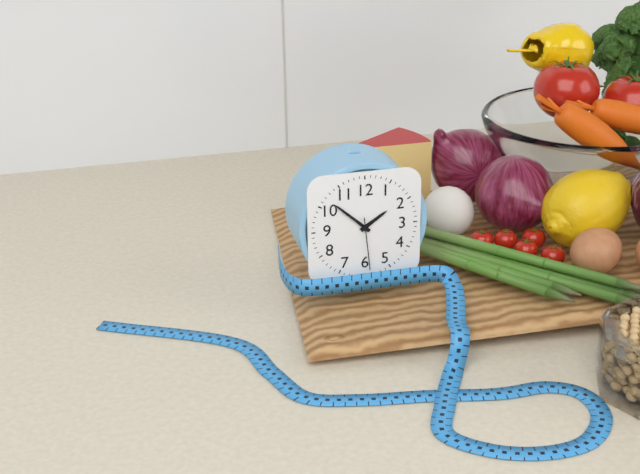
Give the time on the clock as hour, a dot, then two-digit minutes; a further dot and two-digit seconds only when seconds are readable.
1.52.29
